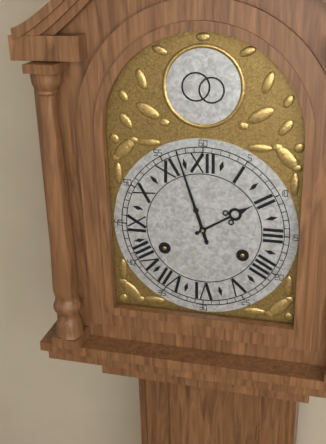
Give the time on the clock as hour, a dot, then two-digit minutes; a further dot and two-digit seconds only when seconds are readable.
1.57
